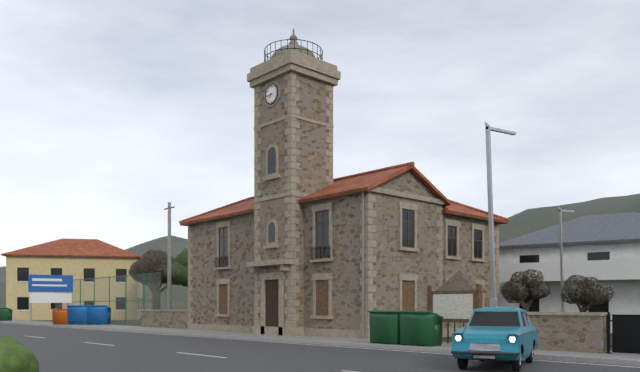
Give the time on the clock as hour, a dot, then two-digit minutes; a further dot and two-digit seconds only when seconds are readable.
7.43
